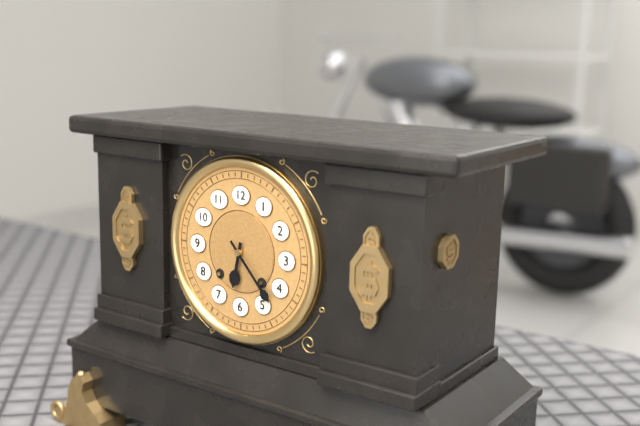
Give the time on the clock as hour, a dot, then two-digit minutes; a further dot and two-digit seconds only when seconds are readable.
6.23
